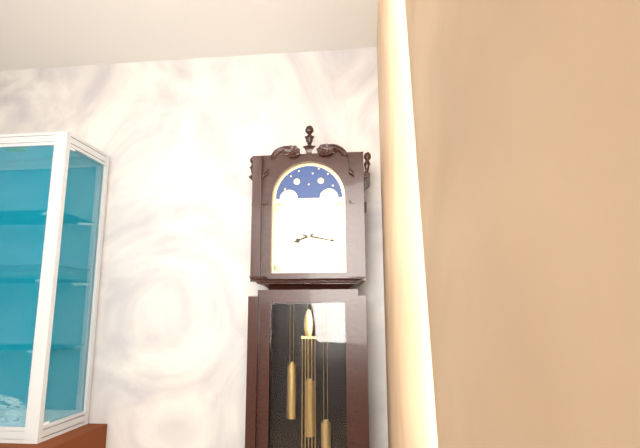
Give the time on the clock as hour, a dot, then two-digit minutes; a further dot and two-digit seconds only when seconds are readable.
8.17
